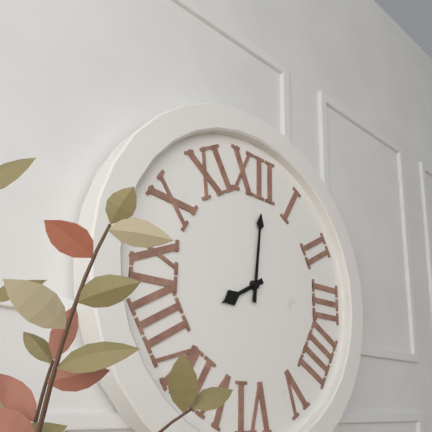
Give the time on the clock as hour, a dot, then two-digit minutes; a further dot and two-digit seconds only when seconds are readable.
8.01
